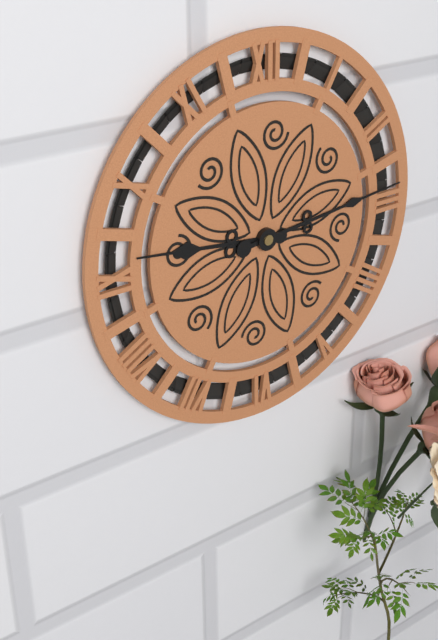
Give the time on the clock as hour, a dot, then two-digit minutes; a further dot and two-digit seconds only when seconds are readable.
9.14
